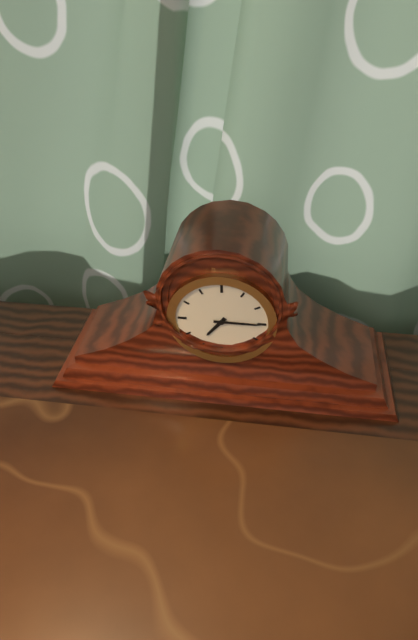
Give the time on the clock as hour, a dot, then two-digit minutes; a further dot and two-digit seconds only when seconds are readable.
7.15
